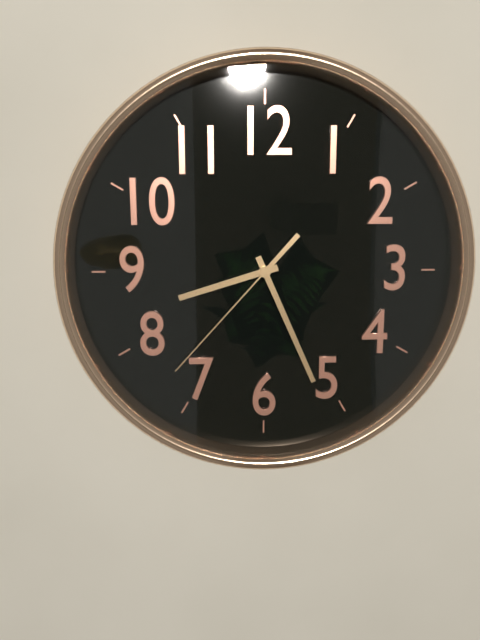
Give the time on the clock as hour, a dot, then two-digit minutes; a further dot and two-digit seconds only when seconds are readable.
8.26.37
